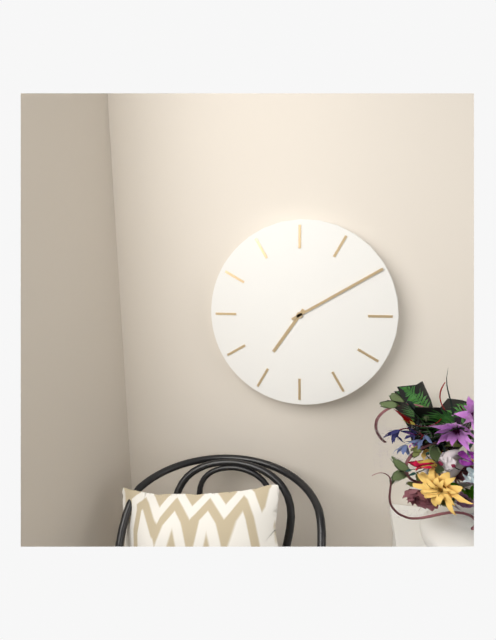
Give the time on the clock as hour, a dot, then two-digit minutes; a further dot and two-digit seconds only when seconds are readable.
7.10
